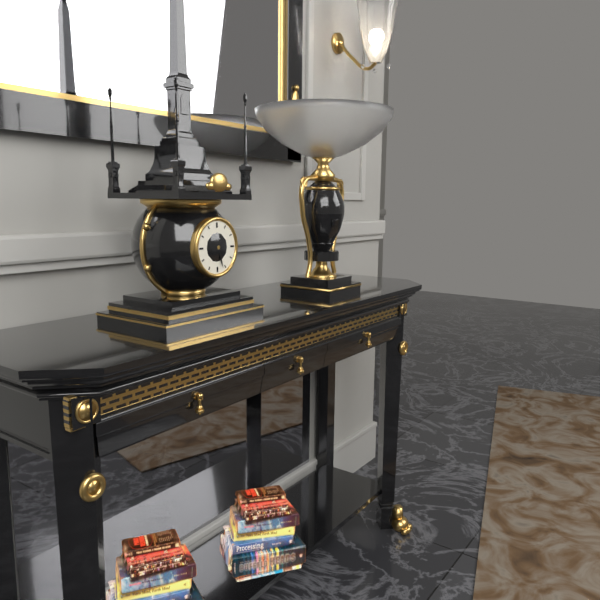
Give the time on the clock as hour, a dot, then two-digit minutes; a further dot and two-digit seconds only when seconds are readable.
8.27
